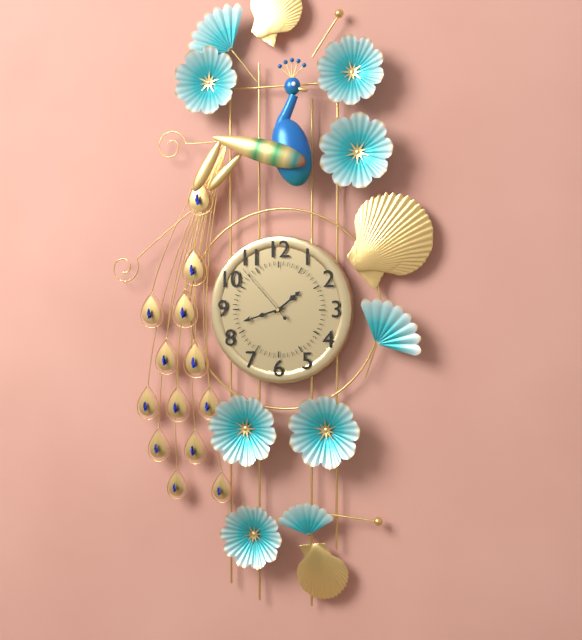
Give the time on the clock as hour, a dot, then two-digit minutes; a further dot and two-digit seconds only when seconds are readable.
1.42.53
